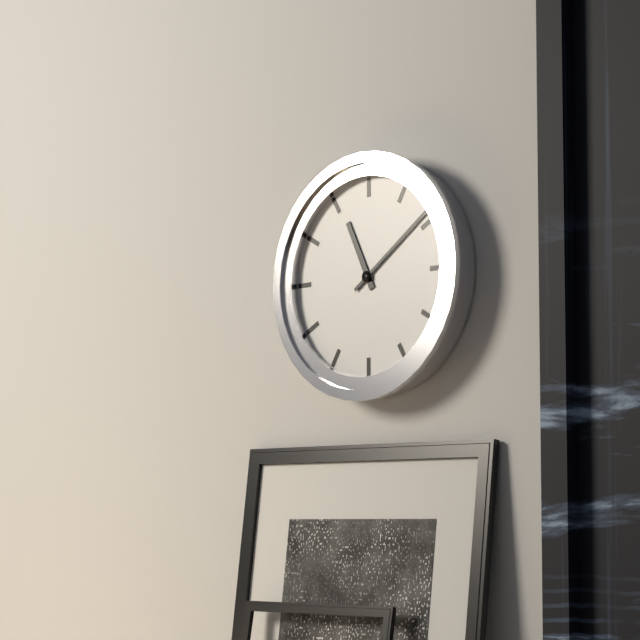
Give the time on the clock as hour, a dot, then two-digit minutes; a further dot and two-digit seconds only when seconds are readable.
11.09
